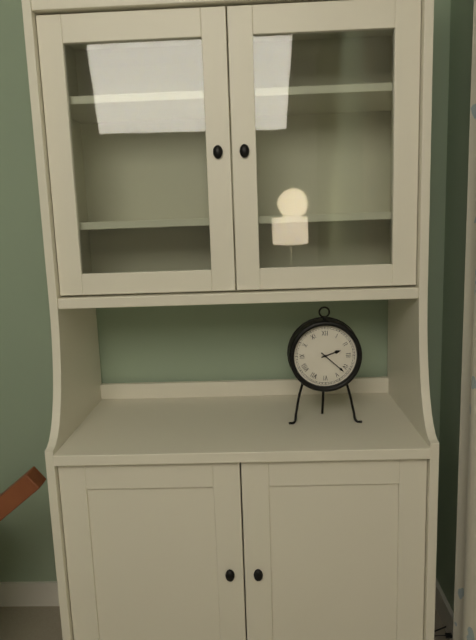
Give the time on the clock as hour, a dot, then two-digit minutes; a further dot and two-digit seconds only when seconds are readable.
2.22
